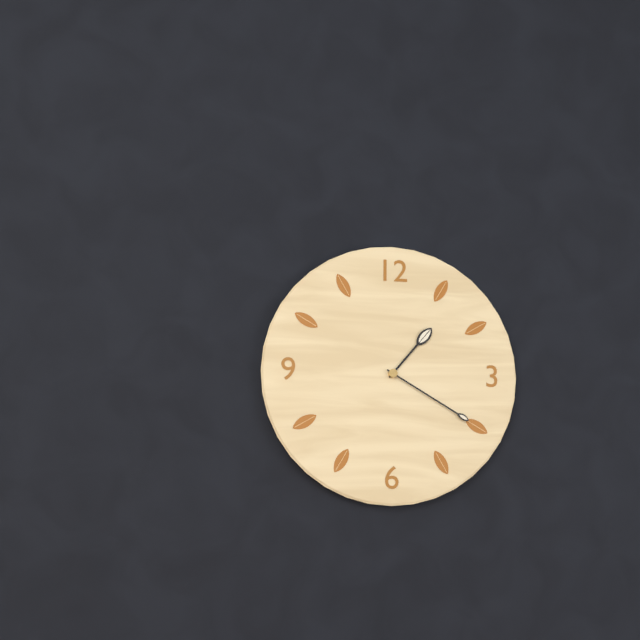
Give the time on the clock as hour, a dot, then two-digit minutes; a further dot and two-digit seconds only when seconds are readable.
1.20
